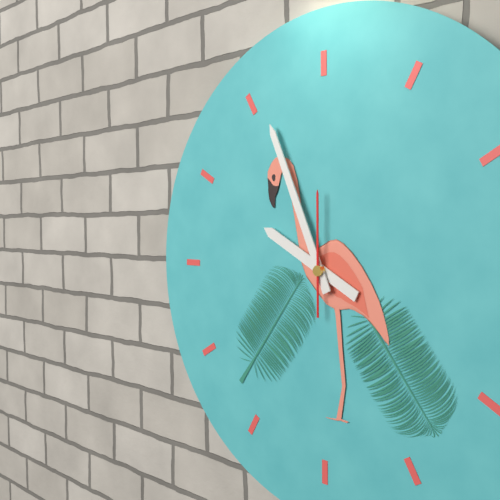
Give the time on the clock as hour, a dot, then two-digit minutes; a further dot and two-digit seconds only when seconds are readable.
9.56.00
